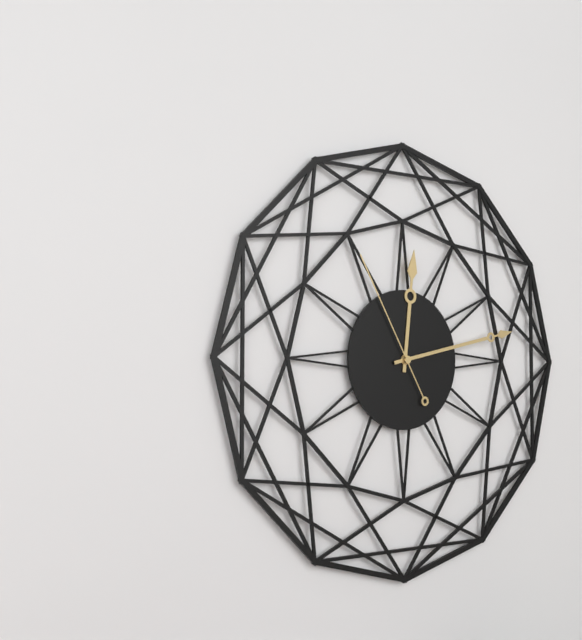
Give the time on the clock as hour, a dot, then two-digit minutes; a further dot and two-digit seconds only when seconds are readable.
12.13.55
